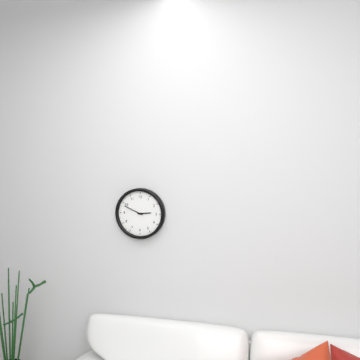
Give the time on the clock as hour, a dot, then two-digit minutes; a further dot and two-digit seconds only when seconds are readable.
2.49
